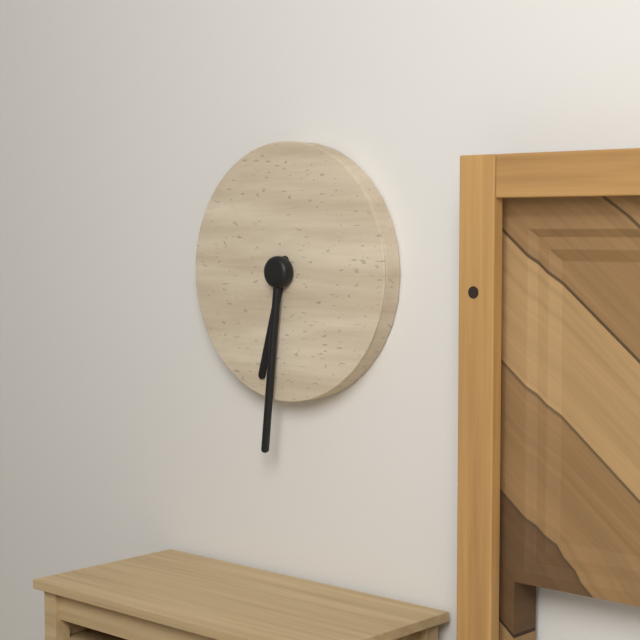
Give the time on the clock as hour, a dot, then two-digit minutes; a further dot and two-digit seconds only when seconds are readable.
6.31
